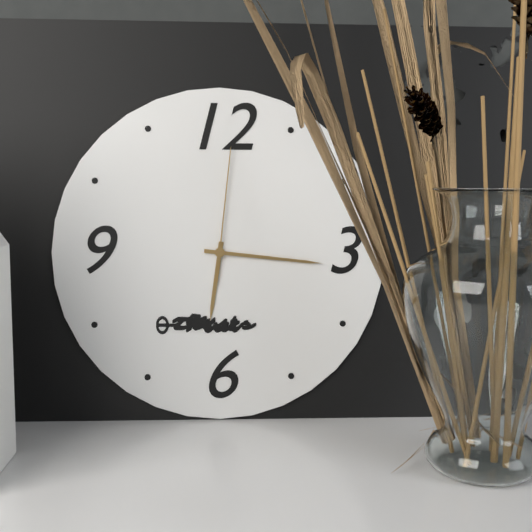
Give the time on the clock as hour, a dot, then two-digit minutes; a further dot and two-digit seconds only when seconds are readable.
6.16.01
